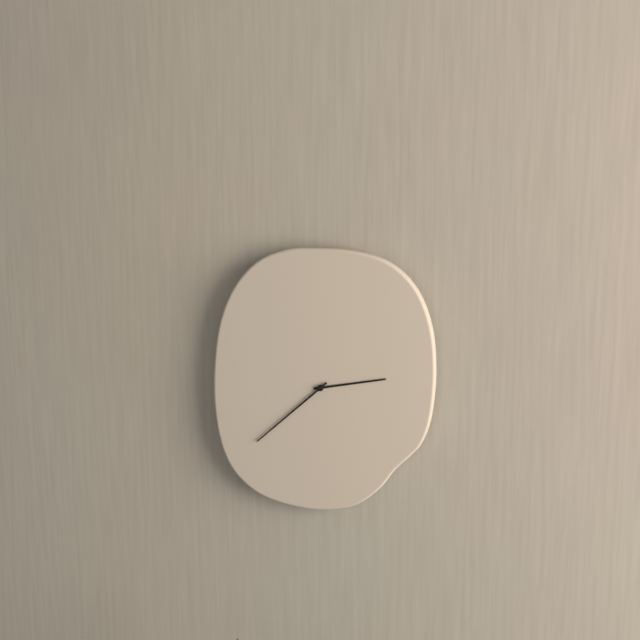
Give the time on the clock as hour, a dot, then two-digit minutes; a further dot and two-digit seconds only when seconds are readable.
2.38
